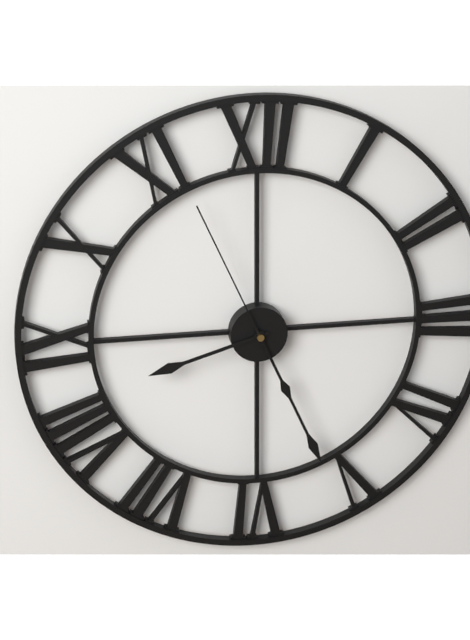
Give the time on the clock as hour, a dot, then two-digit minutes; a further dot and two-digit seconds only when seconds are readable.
8.26.56
